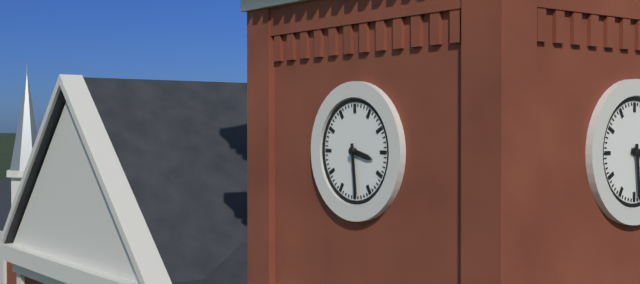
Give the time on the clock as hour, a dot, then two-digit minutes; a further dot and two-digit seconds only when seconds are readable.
3.29
